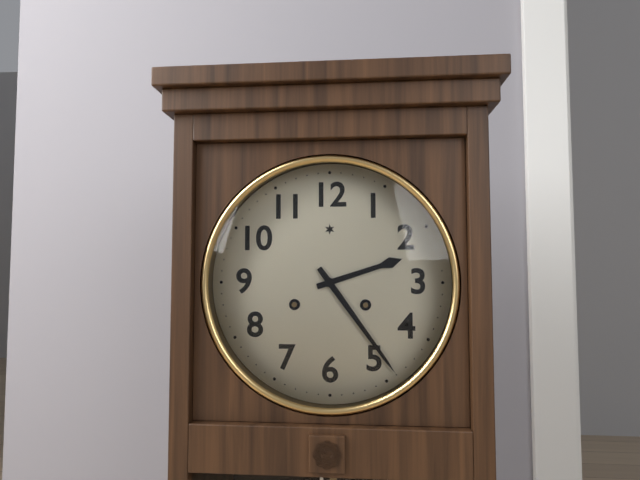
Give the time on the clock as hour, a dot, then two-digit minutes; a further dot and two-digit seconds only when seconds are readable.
2.24
